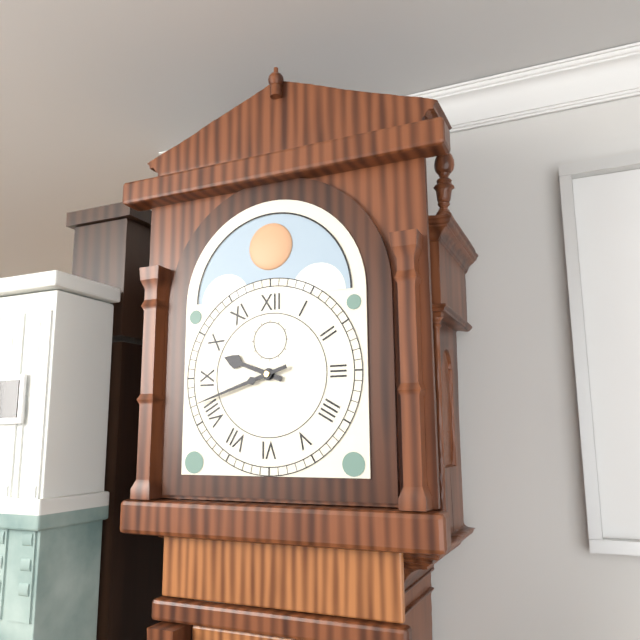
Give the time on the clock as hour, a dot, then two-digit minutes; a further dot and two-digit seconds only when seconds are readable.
9.42
